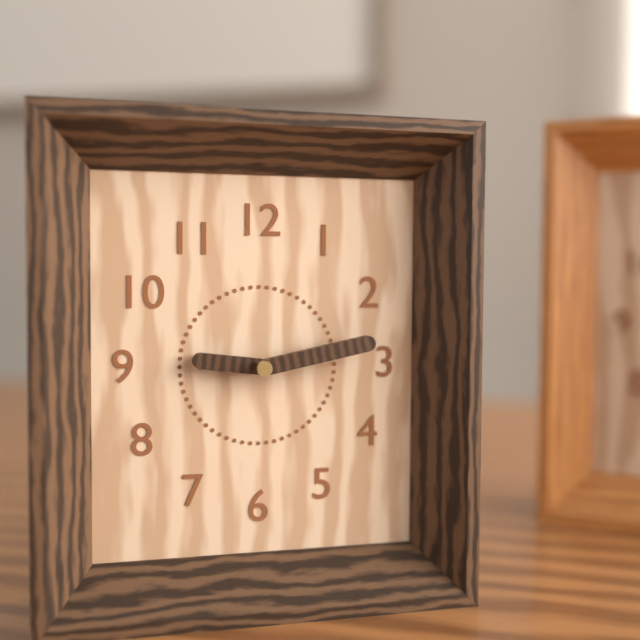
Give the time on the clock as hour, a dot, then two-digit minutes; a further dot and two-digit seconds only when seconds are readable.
9.13
